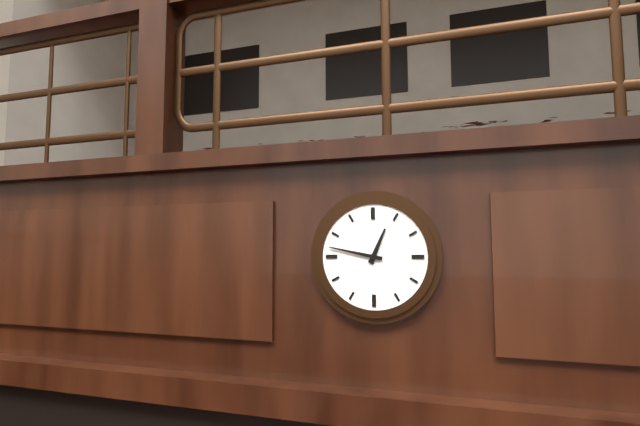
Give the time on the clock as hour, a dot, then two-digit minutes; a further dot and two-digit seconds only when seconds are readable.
12.47
